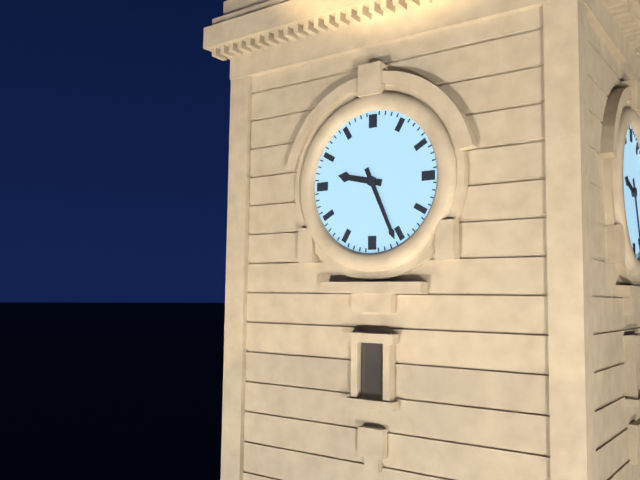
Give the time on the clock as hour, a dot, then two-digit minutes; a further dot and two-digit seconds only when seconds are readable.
9.26
